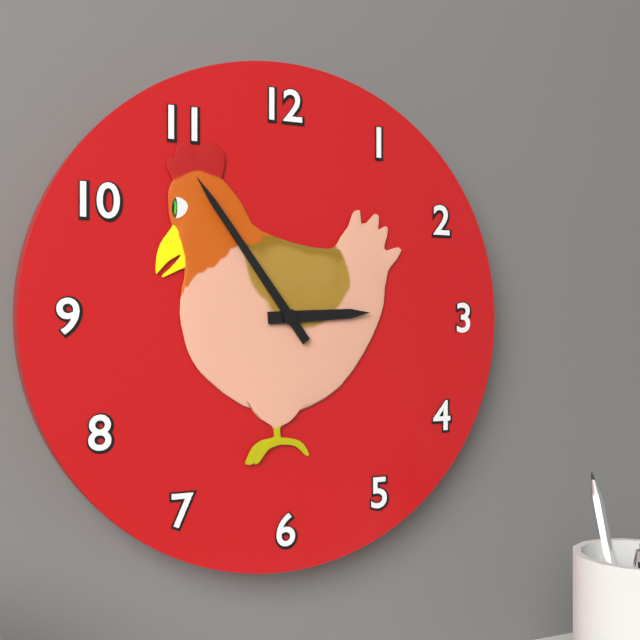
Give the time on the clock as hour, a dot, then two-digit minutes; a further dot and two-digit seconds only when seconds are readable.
2.54
